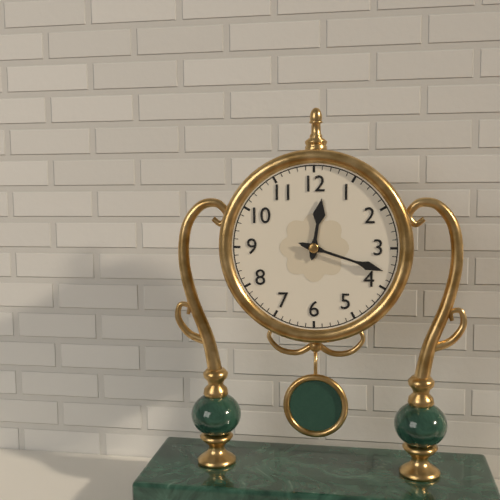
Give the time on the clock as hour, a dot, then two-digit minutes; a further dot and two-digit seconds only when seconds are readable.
12.18
